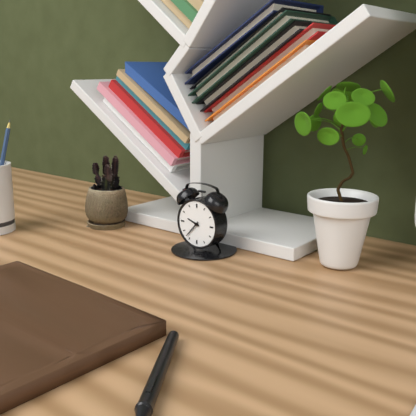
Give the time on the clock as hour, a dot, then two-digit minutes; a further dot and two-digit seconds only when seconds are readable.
9.37
